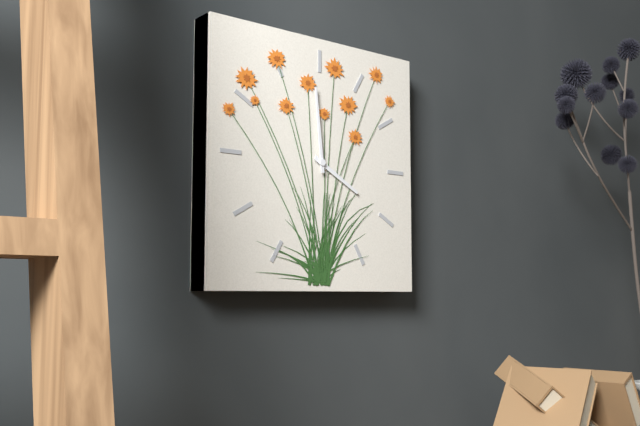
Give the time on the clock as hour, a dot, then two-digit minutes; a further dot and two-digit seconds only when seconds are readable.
3.59
